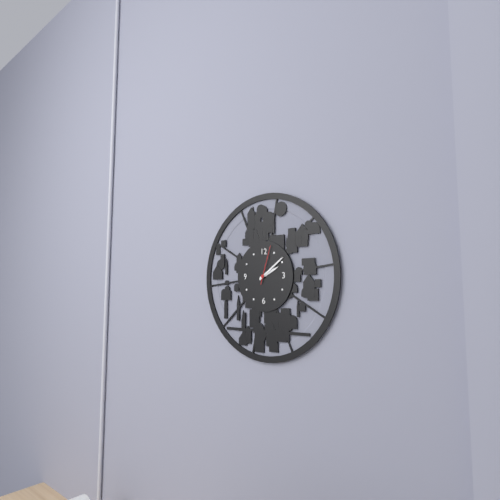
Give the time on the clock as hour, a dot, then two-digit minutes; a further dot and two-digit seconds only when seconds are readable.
2.09
